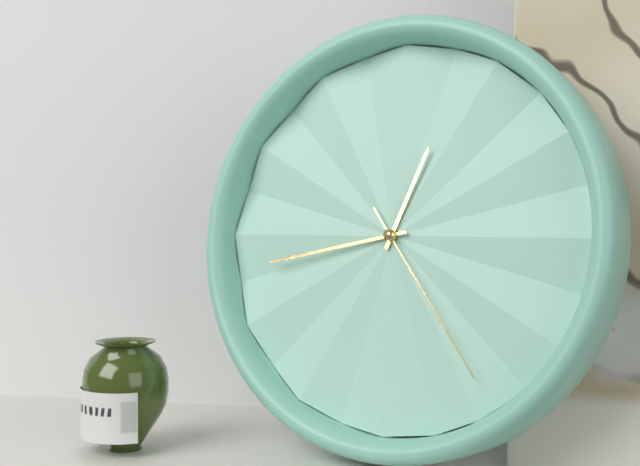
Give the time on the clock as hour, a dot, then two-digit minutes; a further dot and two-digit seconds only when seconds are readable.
12.43.24
